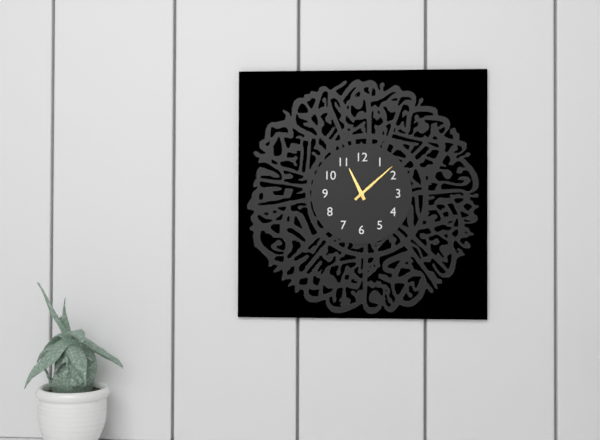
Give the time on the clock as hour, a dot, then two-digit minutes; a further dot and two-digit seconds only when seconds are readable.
11.08
